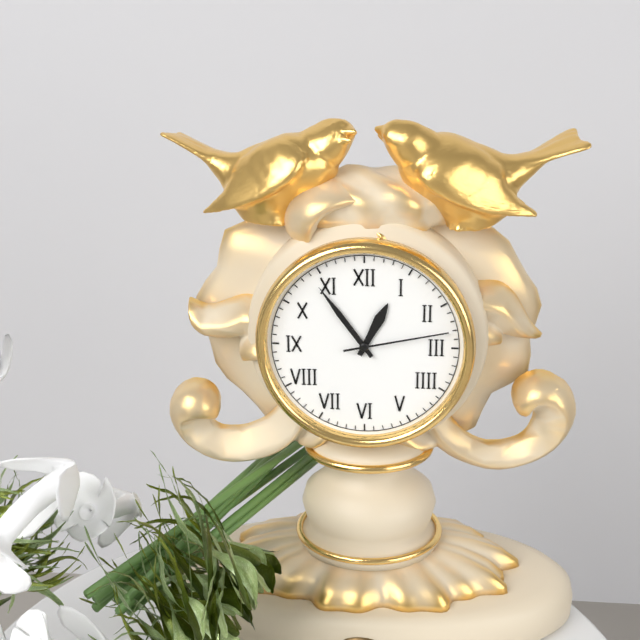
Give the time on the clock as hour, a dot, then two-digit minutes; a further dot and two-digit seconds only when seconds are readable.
12.54.13
